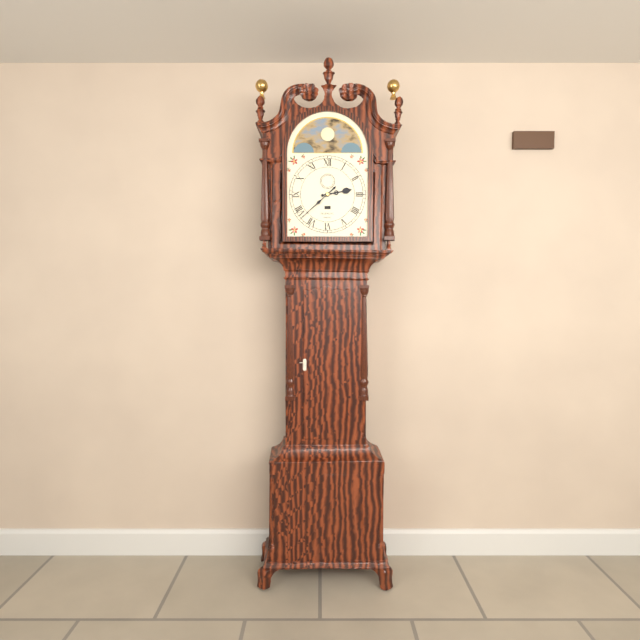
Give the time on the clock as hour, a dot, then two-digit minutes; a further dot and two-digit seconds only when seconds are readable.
2.38
